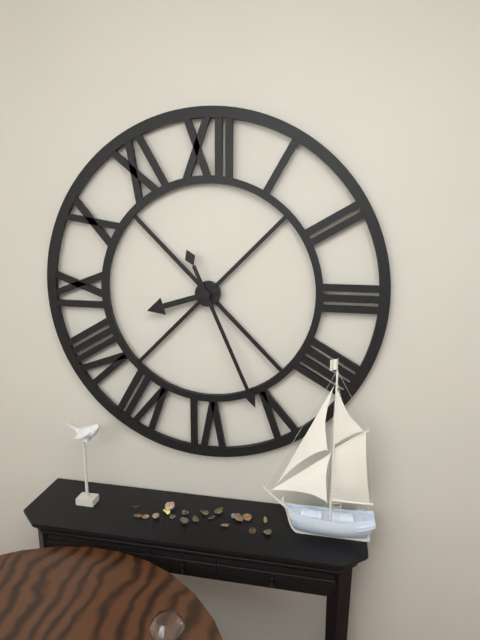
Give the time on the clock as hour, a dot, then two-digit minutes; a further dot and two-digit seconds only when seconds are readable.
8.26
